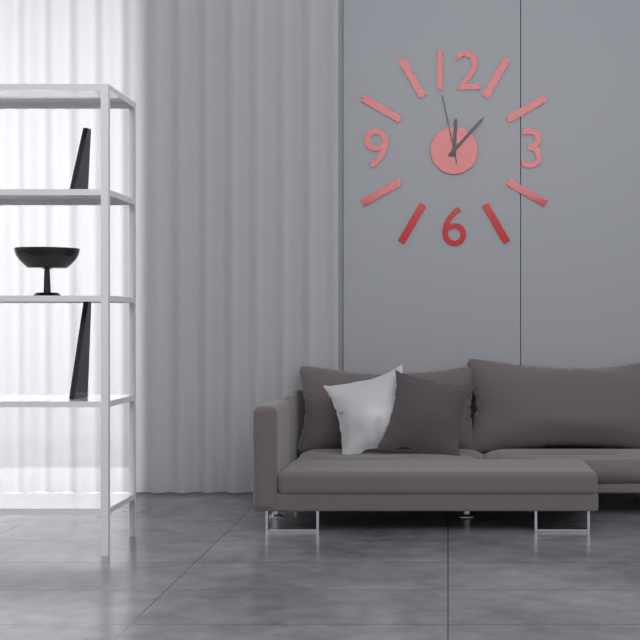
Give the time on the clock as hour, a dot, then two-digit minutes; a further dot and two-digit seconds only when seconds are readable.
12.07.58
